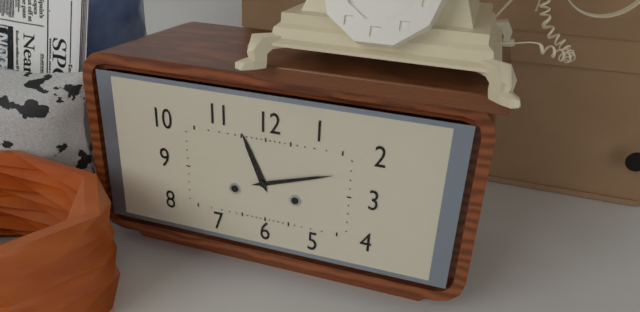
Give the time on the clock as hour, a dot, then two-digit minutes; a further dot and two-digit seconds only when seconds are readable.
11.12
